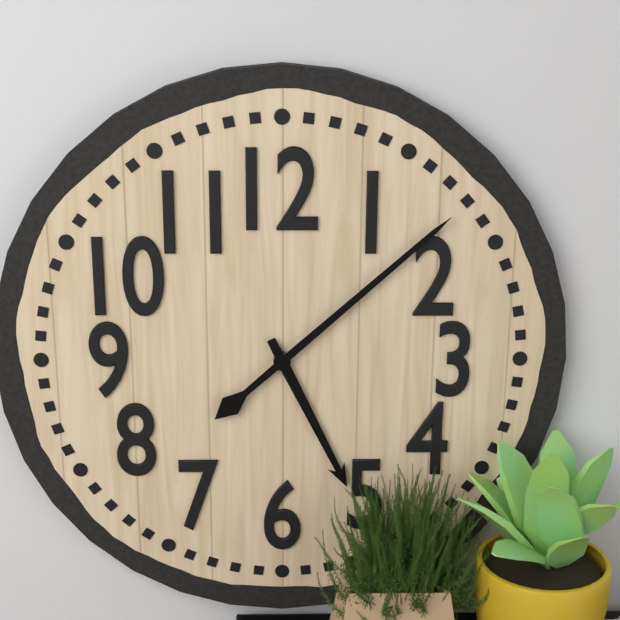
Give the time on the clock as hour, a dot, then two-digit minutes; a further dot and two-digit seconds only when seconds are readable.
5.08
